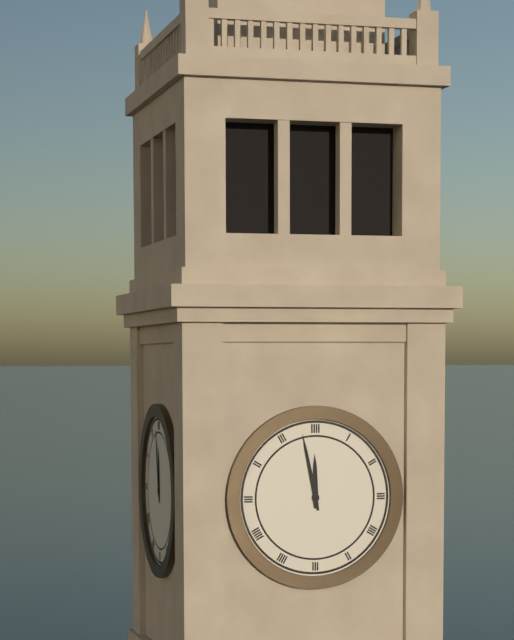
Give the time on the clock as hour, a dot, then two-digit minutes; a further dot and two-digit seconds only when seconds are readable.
11.58
